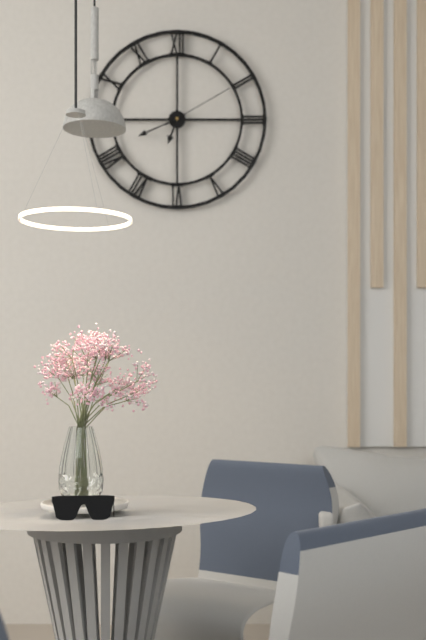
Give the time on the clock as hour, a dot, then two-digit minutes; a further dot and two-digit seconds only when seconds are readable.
6.41.10
